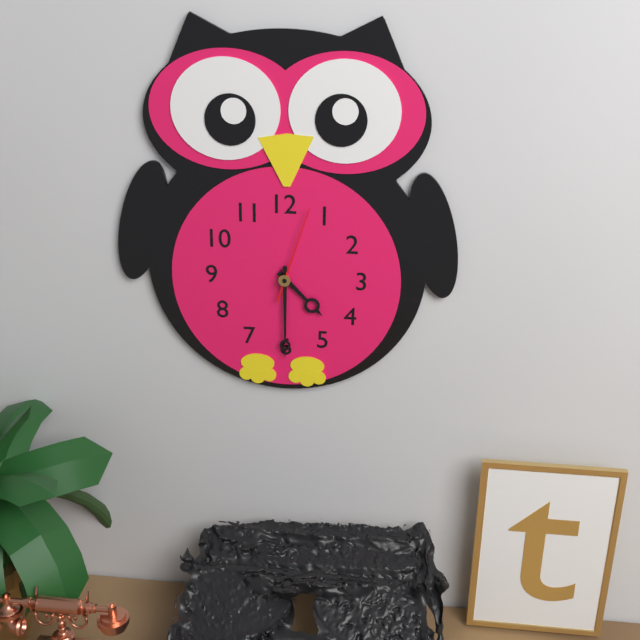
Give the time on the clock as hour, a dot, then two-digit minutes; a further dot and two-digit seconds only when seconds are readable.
4.30.03
